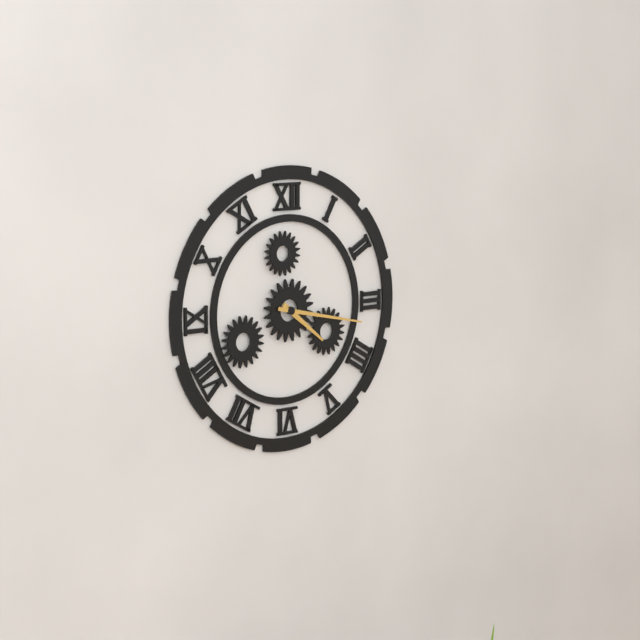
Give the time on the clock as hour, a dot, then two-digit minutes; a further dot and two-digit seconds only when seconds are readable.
4.17
